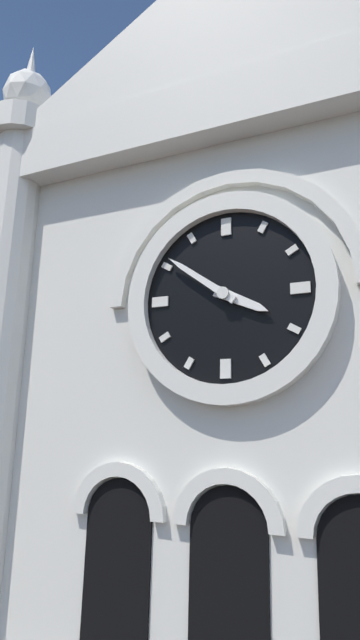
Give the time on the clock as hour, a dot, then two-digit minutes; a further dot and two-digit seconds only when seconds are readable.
3.51
